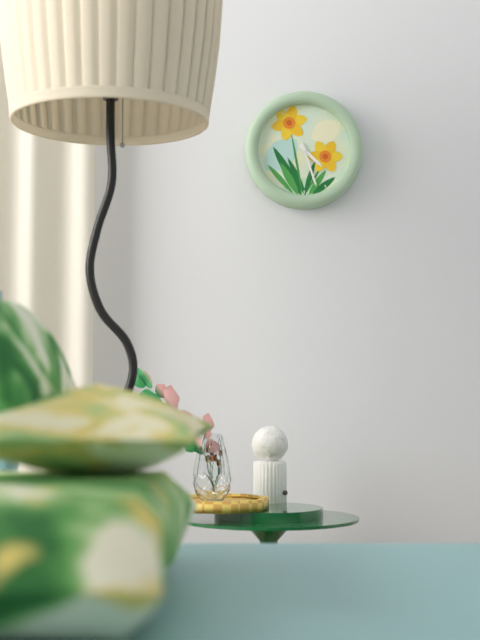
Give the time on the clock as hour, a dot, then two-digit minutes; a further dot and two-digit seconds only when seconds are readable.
4.27
